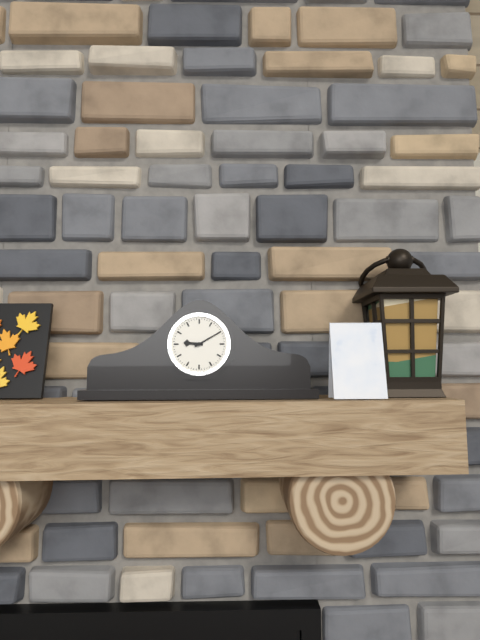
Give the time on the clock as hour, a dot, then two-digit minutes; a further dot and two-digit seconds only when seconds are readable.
9.10
